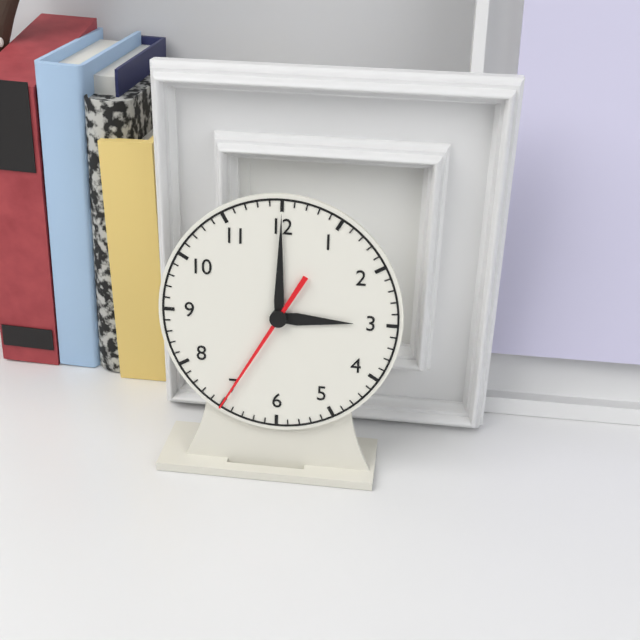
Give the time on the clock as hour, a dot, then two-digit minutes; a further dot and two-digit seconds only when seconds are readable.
3.00.35
